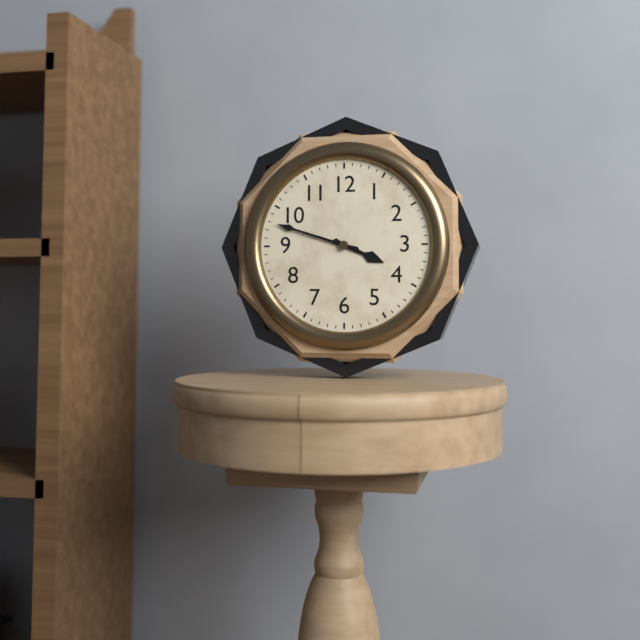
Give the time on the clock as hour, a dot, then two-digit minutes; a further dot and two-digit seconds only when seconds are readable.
3.48
